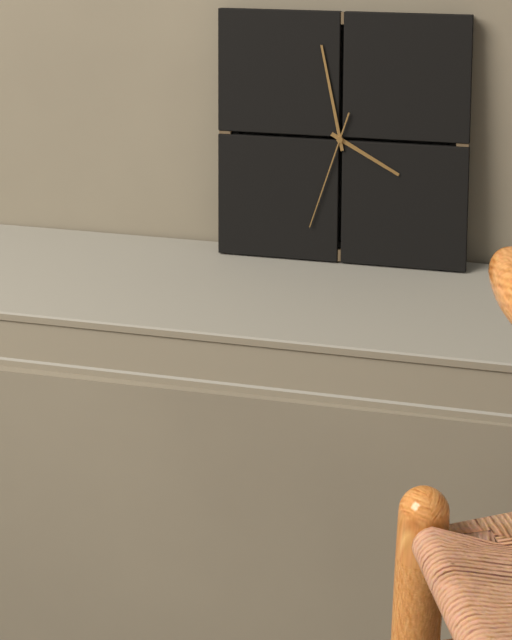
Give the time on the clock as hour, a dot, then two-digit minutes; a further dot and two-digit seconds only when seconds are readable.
3.58.33
